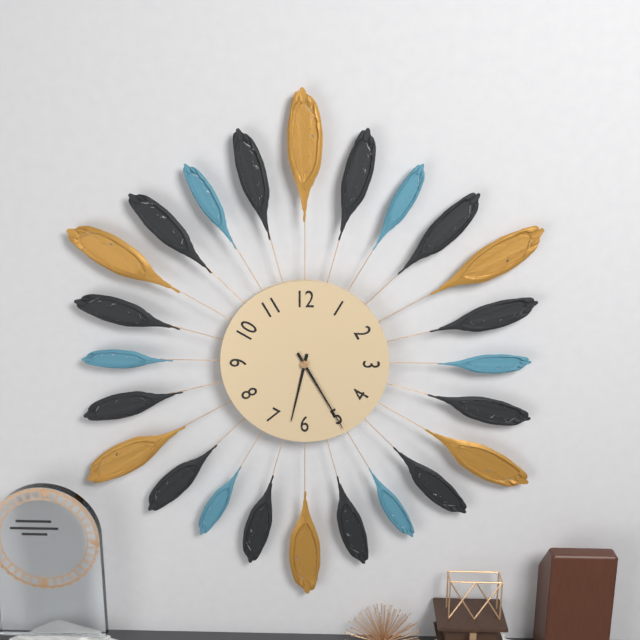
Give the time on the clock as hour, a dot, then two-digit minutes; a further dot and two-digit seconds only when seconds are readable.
6.25
